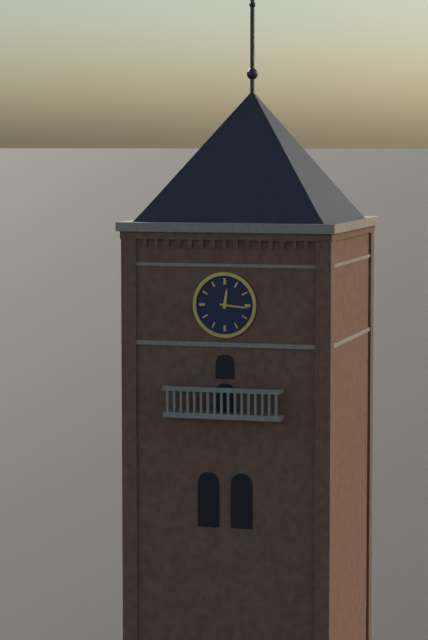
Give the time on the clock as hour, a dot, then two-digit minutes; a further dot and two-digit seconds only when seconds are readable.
12.16
